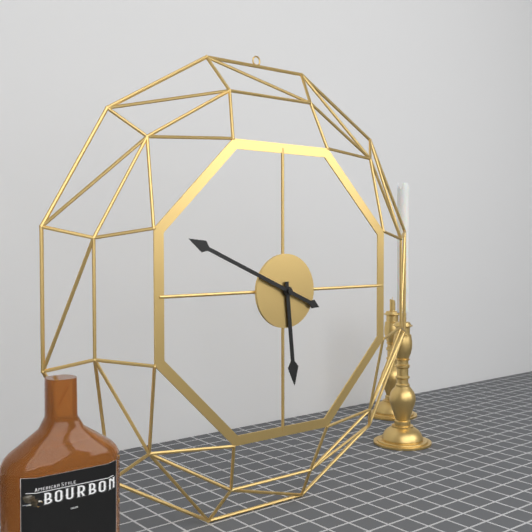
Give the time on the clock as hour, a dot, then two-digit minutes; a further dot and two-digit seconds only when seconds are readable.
5.49
